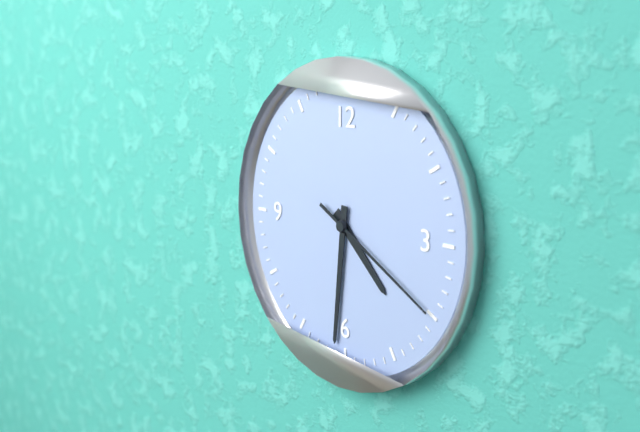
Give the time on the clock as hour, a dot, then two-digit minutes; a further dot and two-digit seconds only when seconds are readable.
4.31.20
